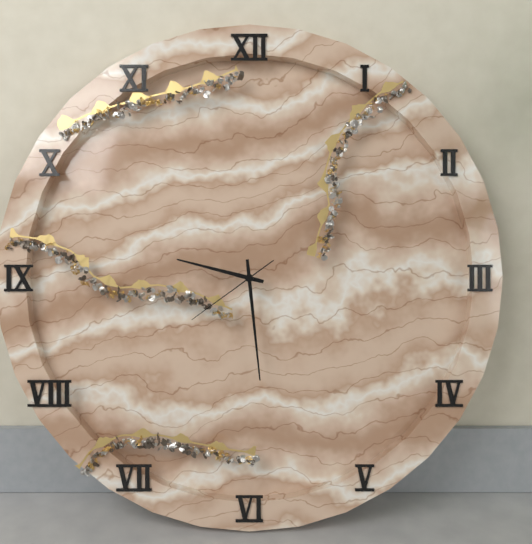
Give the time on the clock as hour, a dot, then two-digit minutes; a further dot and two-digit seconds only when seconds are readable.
9.29.39
